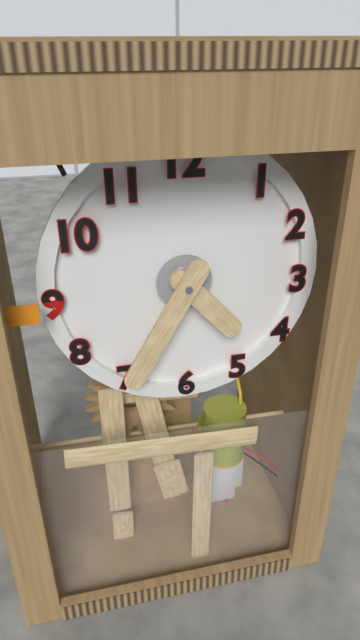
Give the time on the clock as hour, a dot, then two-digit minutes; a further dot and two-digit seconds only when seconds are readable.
4.35
